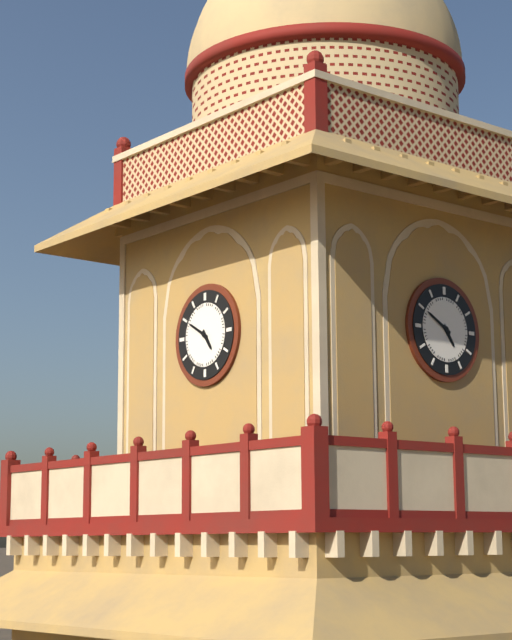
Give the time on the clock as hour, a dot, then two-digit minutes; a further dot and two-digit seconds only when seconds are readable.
4.50
